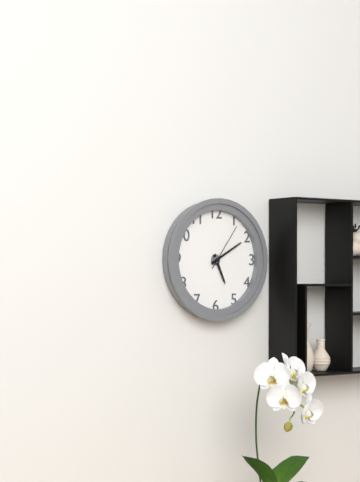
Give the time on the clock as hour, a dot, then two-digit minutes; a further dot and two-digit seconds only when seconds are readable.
5.10.06
